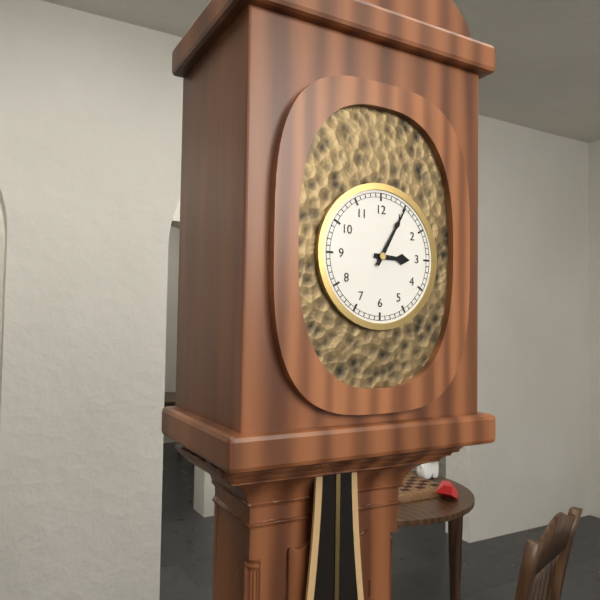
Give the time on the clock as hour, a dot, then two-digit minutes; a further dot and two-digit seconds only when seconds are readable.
3.05
